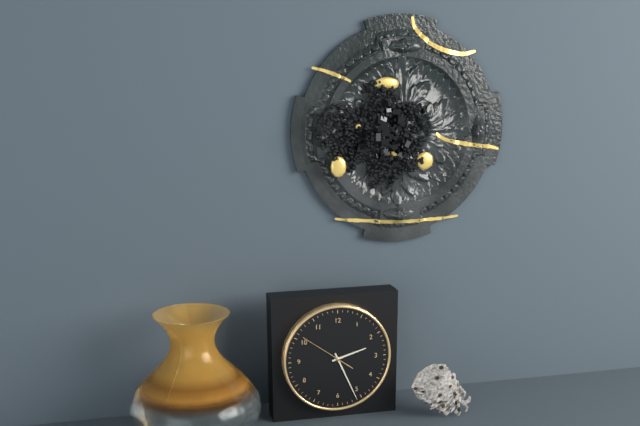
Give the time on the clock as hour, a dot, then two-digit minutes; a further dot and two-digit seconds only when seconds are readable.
2.26.51
